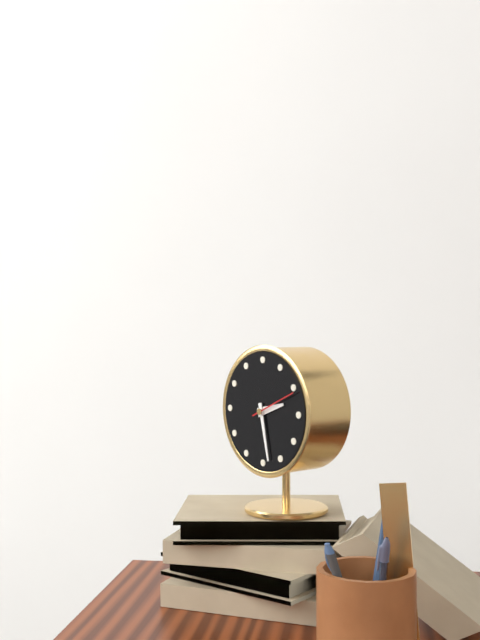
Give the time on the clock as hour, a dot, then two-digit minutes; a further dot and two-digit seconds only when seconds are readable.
2.28
